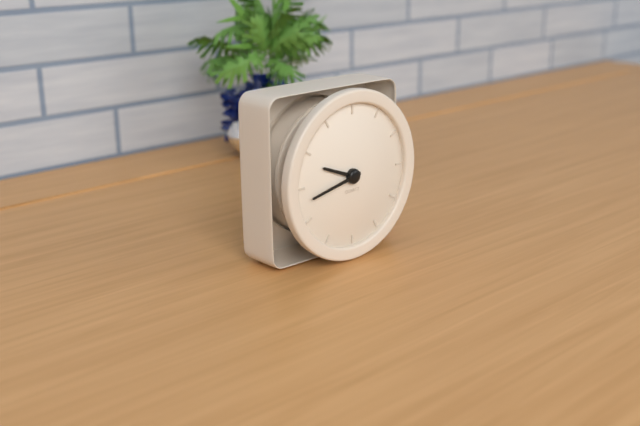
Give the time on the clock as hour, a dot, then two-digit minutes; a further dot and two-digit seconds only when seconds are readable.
9.43
